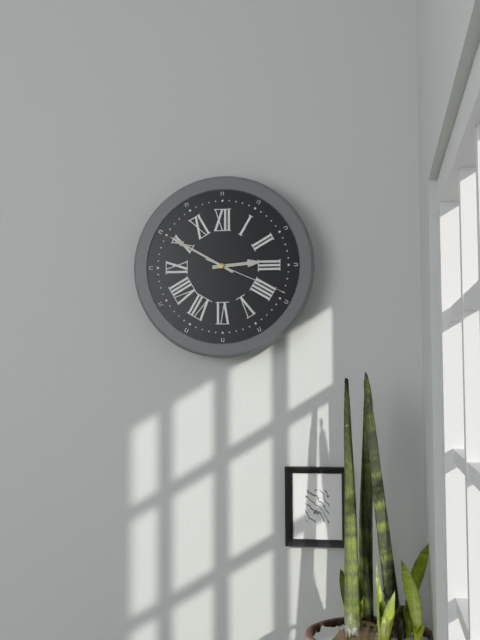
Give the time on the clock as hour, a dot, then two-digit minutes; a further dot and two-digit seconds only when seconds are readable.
2.50.19
